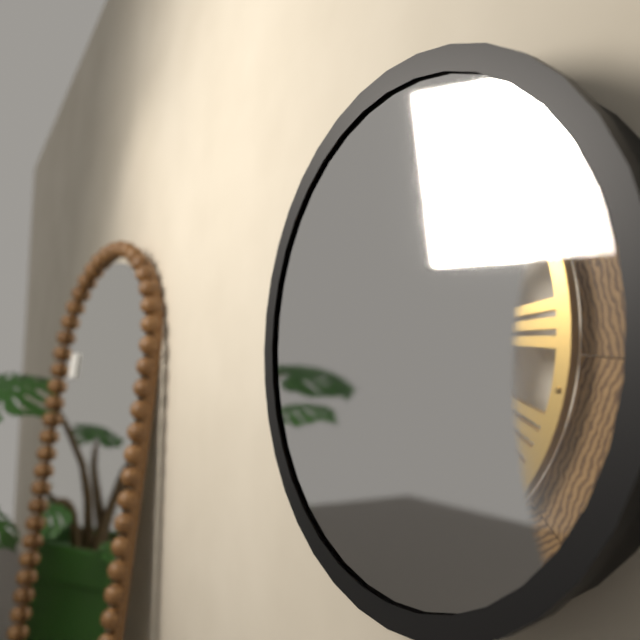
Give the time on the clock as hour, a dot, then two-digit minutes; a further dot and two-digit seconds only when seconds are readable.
9.06
